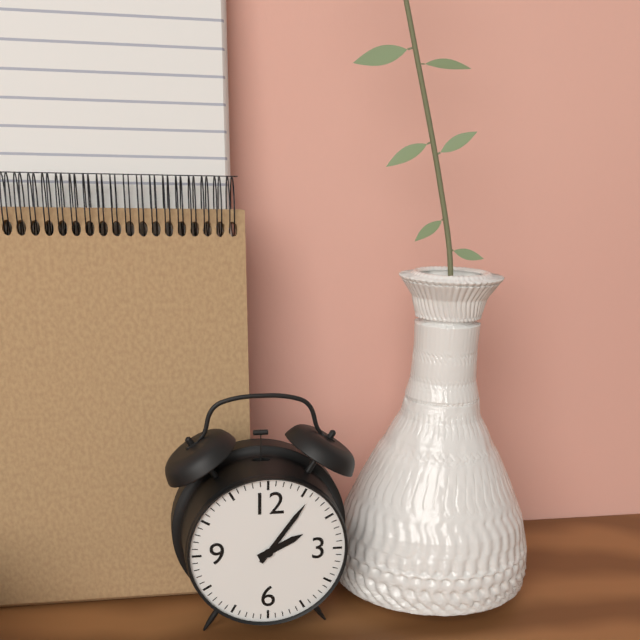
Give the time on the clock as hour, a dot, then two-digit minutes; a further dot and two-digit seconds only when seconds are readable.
2.06
